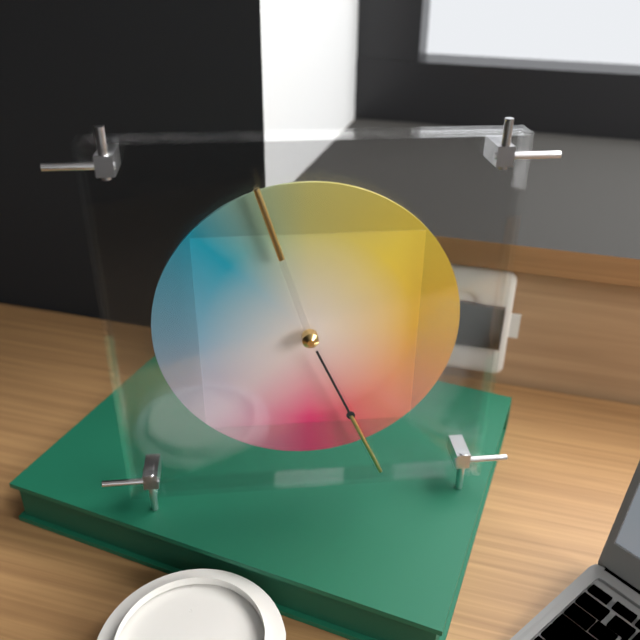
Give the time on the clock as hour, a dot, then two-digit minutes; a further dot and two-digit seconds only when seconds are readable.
11.26
